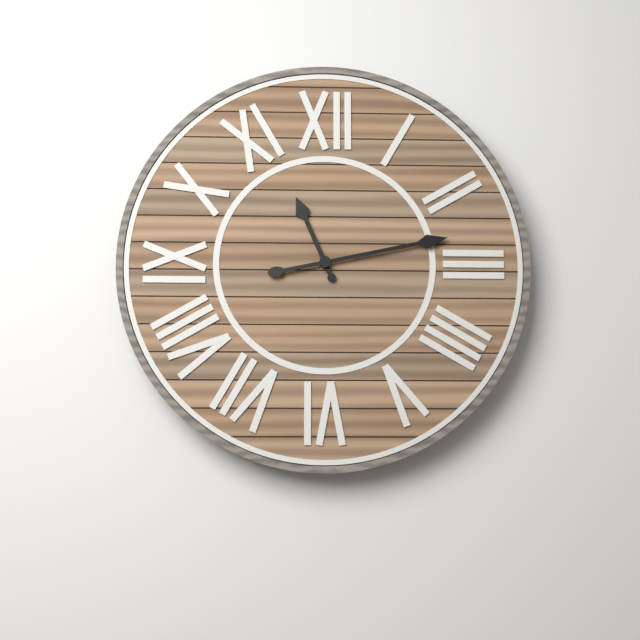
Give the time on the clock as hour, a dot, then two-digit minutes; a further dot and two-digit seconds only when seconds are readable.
11.13
